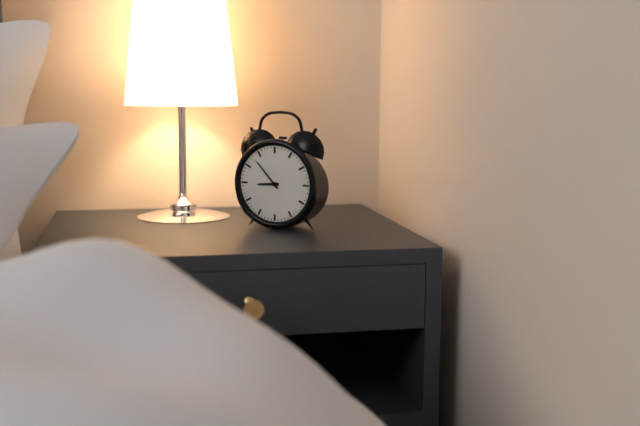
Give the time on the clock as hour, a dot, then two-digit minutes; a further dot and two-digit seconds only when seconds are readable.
8.53
